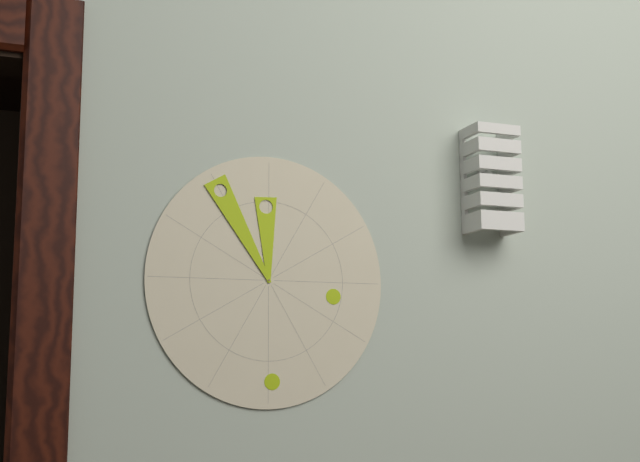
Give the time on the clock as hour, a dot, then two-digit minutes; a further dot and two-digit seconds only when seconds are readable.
11.55
